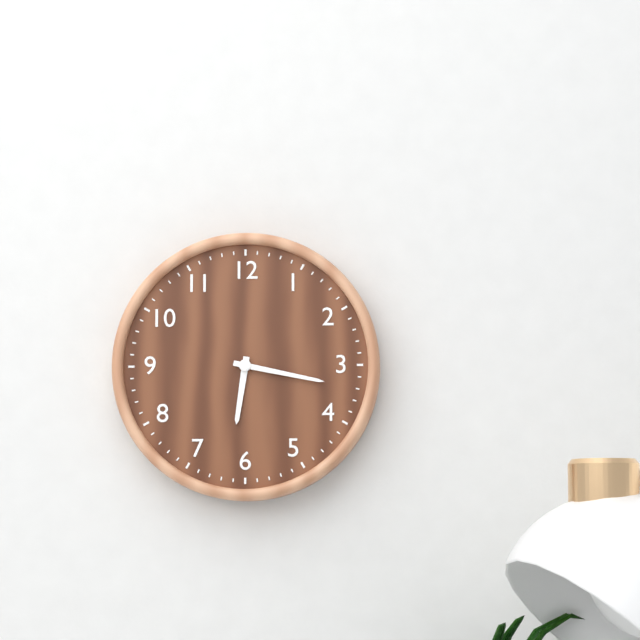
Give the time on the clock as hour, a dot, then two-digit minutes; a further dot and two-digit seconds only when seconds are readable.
6.17
